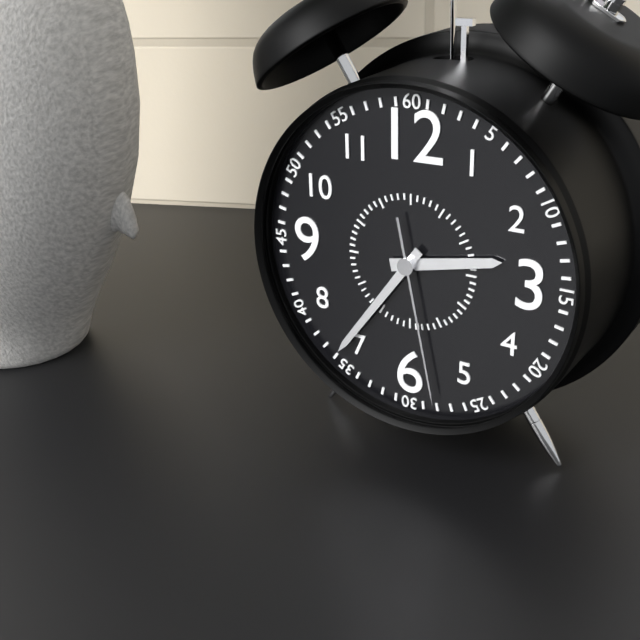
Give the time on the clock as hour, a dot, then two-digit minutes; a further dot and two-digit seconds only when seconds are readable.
2.36.28
